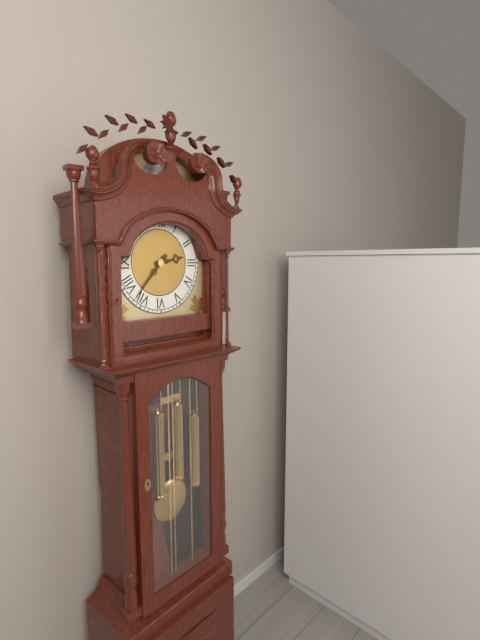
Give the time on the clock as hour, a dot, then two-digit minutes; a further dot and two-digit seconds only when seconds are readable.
2.37
